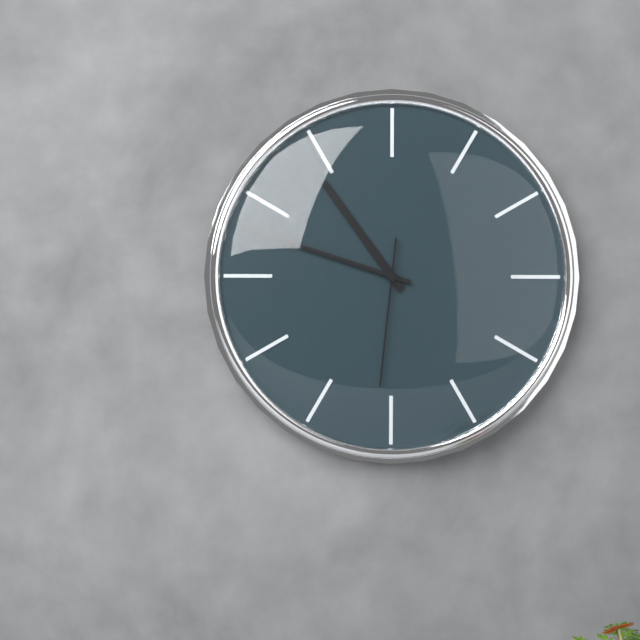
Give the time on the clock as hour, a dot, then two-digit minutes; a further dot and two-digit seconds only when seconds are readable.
10.48.31
